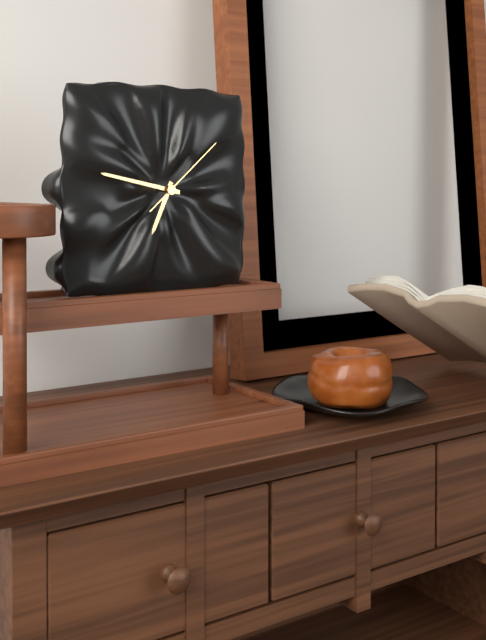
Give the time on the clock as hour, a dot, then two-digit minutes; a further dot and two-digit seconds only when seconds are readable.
6.47.08
